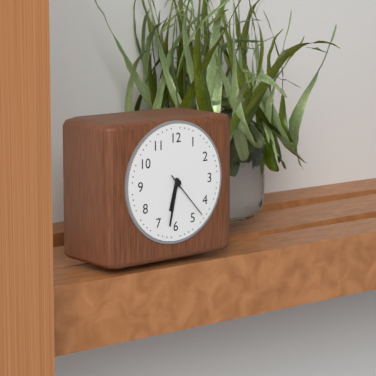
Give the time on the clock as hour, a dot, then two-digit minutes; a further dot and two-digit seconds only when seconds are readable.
6.32.23
